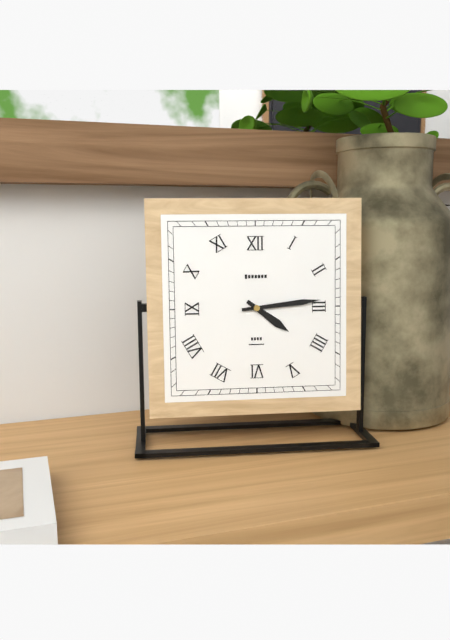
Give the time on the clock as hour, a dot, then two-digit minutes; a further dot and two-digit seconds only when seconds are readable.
4.14
